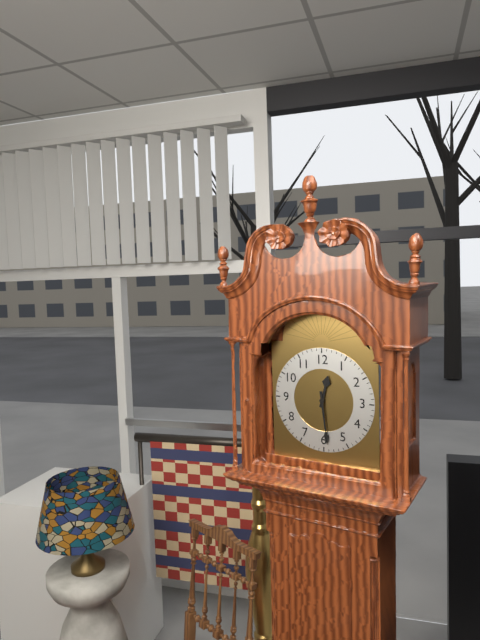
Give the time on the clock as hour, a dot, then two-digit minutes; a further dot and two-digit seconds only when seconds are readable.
12.29
